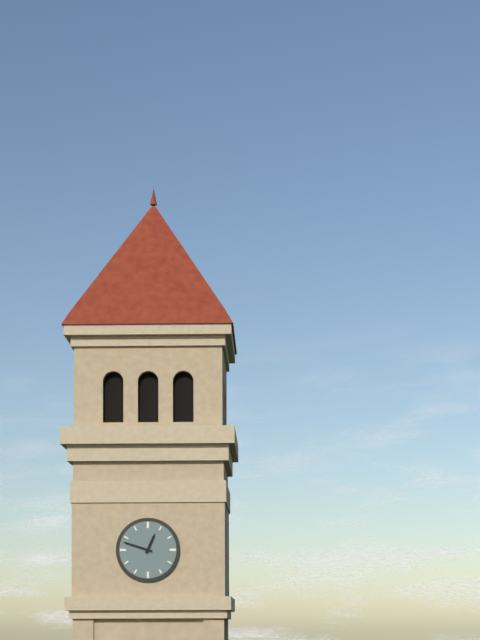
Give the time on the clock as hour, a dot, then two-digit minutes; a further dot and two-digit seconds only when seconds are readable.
12.48
